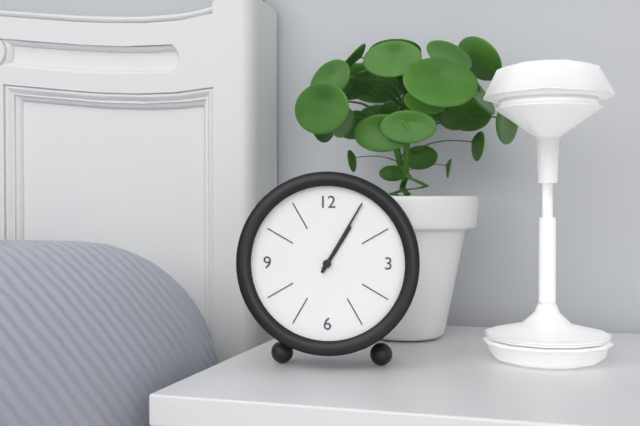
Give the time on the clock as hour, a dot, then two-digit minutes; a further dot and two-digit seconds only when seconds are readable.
1.05
